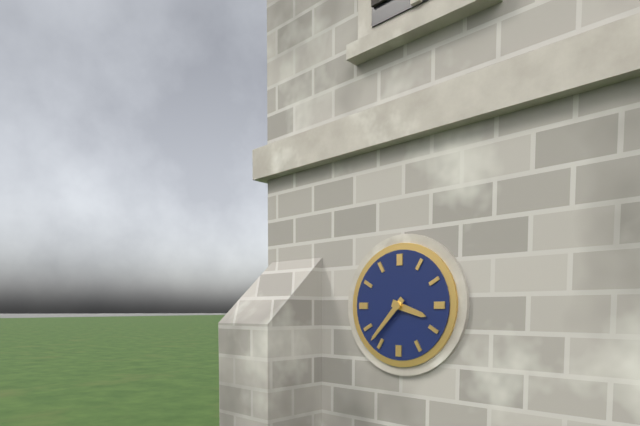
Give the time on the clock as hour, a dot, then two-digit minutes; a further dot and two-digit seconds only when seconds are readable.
3.37
